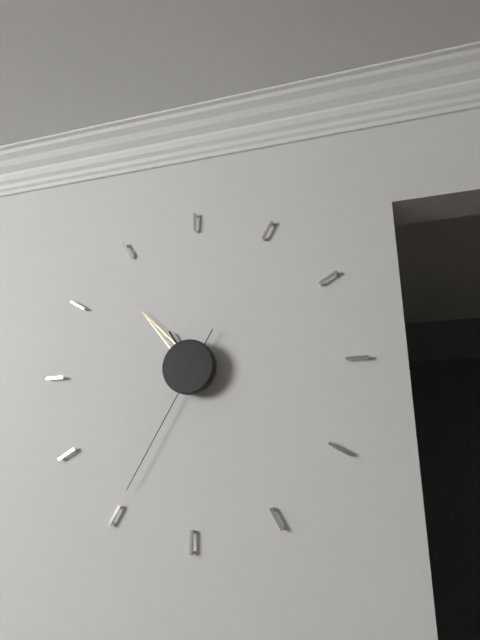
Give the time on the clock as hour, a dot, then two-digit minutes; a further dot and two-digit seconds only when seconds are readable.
10.53.35
